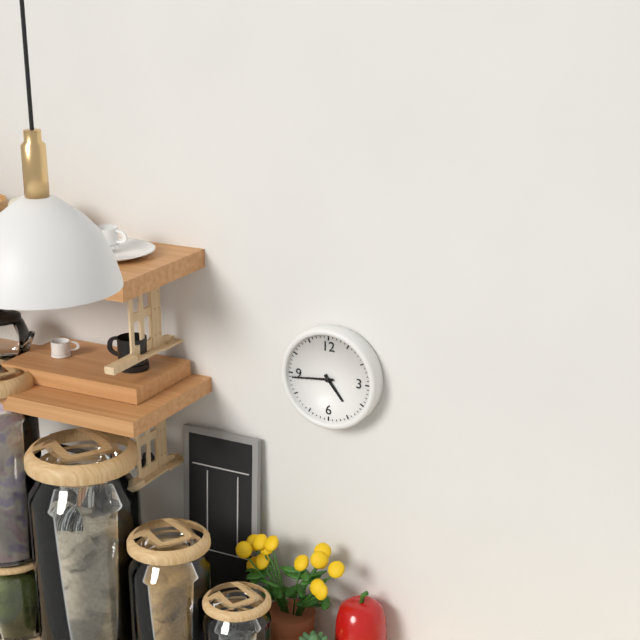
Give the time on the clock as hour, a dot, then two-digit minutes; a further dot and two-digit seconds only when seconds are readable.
4.44
